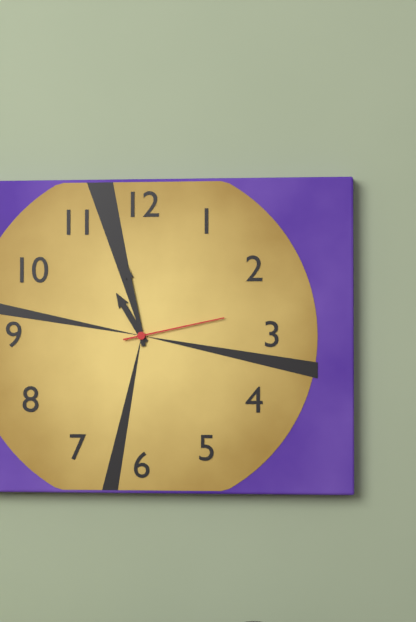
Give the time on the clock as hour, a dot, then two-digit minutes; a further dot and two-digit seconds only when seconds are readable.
10.58.13
